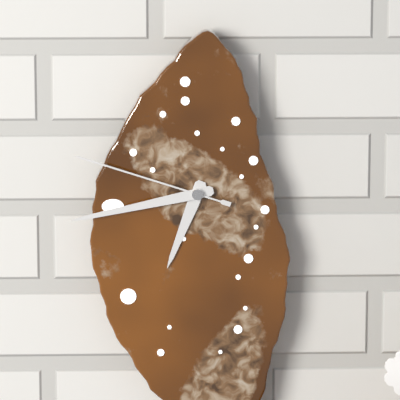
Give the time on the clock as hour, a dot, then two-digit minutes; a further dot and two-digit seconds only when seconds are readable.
6.43.48
